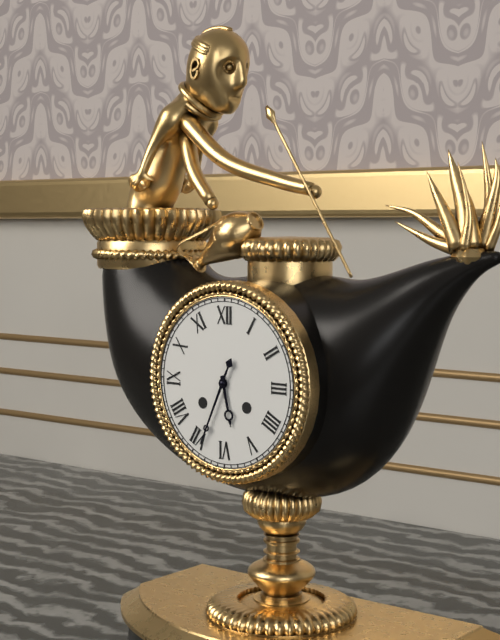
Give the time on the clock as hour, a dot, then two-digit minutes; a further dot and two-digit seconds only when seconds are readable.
5.34
